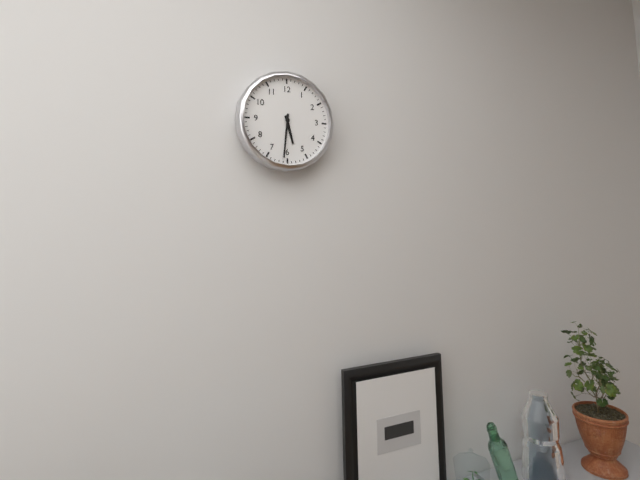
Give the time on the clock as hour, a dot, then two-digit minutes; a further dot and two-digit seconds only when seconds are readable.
5.31
